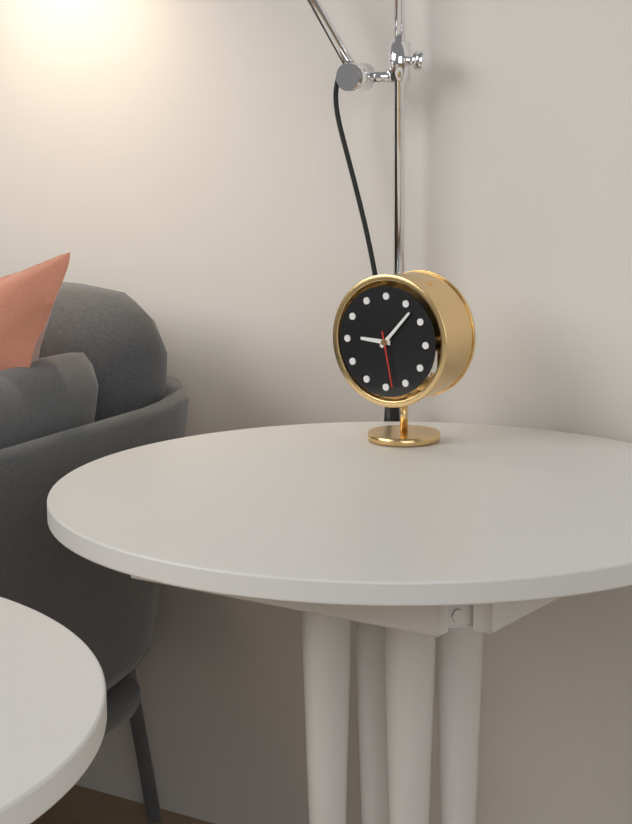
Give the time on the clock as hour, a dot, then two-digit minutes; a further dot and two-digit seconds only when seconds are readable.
9.07.28
